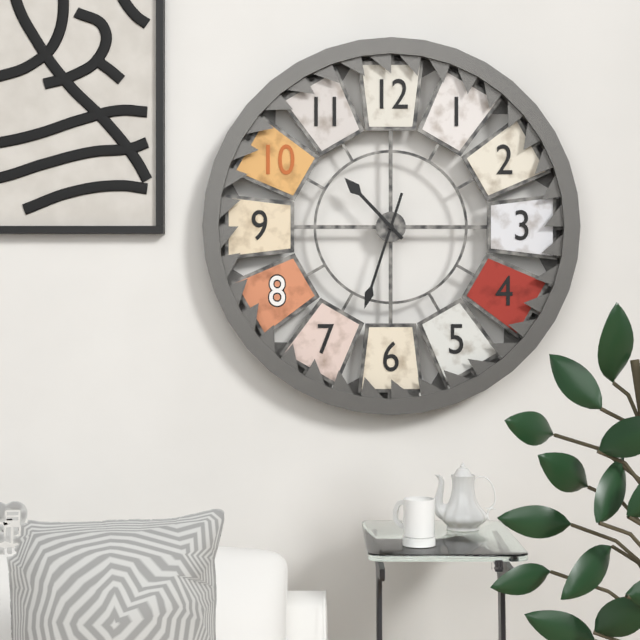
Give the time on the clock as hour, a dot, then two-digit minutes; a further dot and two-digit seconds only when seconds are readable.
10.33
